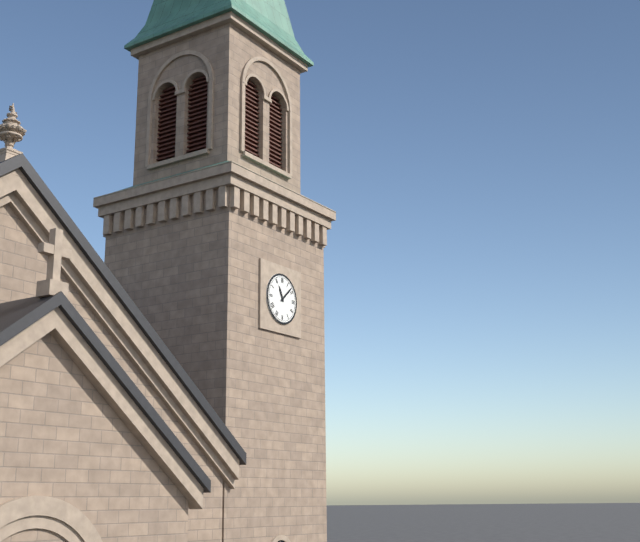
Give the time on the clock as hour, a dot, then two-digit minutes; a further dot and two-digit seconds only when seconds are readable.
11.08
